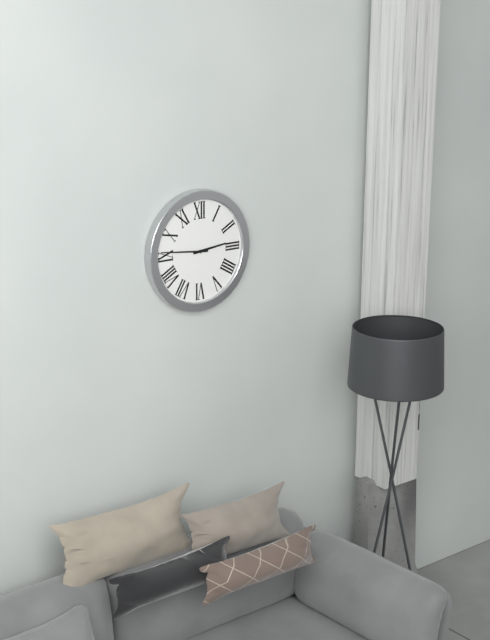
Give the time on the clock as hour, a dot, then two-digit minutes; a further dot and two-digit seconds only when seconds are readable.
2.46
